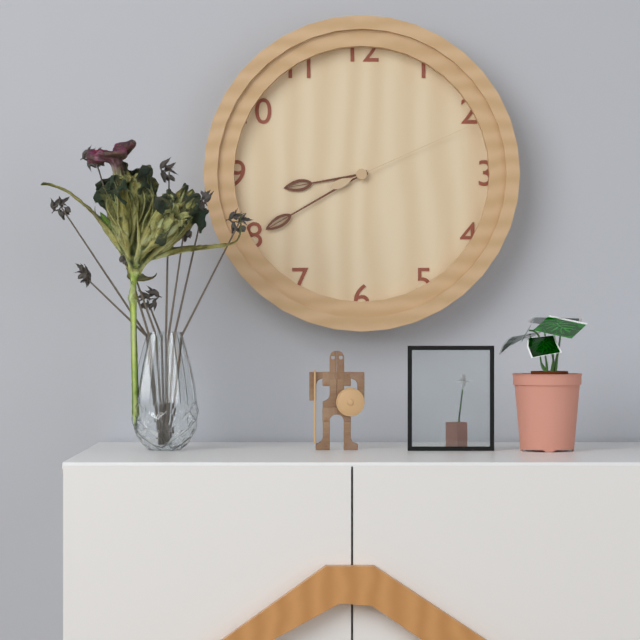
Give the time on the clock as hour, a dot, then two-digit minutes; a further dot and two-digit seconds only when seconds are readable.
8.40.11
